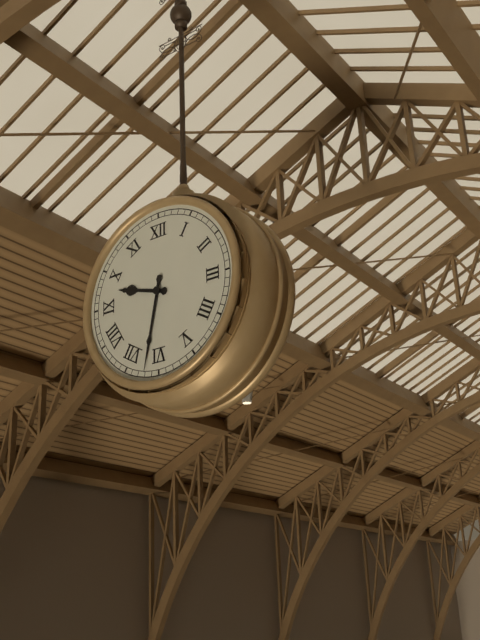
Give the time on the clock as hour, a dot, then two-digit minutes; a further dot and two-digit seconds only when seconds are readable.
9.32
